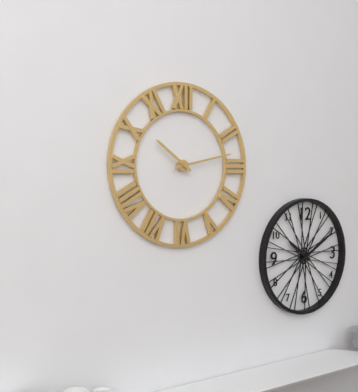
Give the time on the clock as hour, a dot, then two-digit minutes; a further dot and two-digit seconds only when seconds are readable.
10.13
